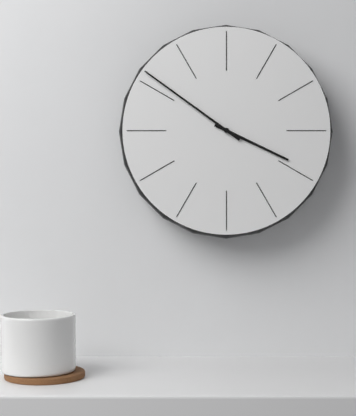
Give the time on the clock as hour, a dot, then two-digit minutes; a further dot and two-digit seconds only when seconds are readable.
3.51
